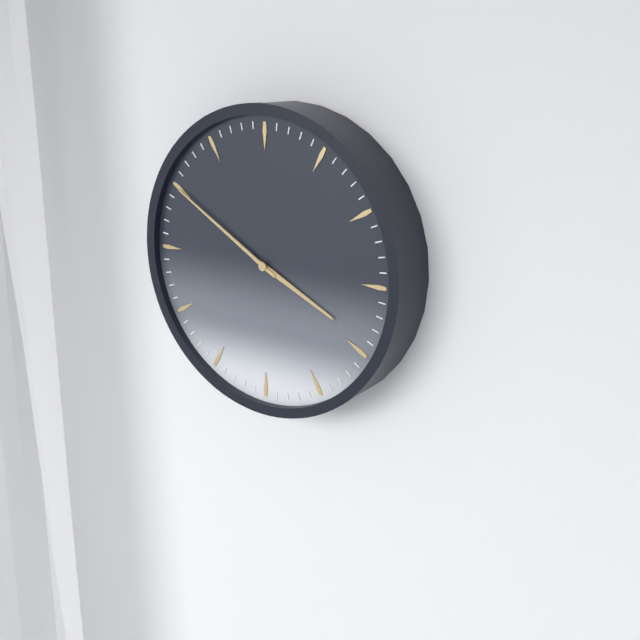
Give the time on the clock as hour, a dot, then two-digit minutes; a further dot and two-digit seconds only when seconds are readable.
3.50
